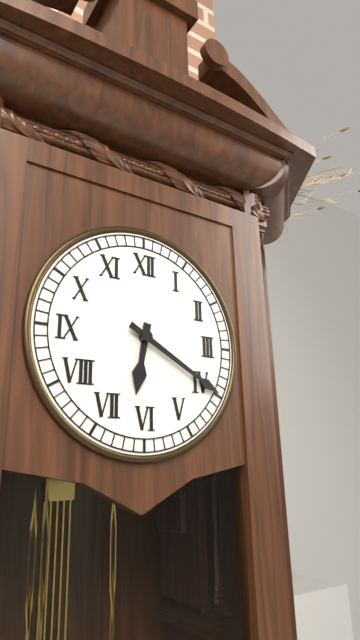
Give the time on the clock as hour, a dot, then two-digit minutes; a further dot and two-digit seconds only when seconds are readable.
6.20
